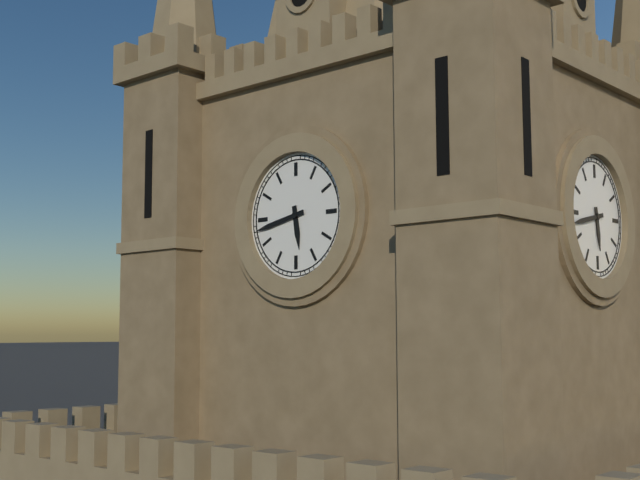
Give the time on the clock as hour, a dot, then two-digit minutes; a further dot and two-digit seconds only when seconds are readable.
5.43
